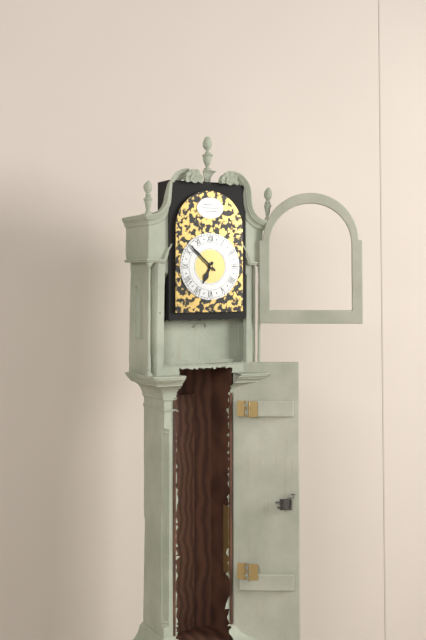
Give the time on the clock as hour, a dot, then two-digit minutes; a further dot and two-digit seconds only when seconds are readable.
6.52
